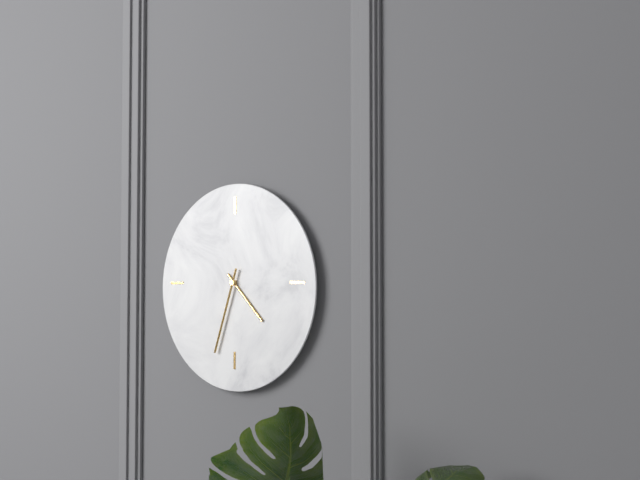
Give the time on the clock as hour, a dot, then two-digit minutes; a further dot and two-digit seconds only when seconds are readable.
4.33
